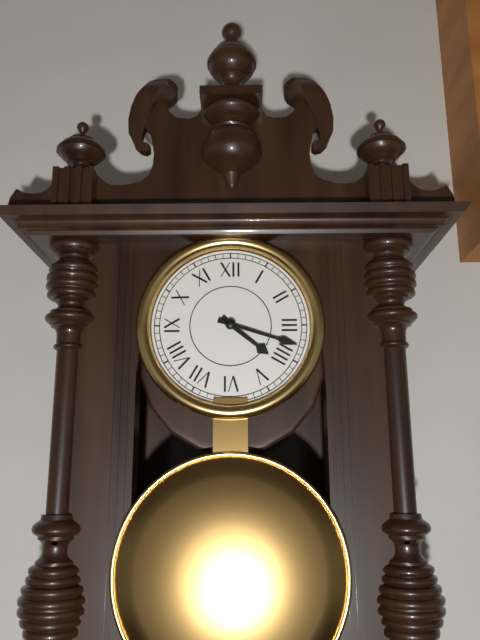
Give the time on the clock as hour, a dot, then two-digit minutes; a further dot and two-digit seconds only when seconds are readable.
4.18
